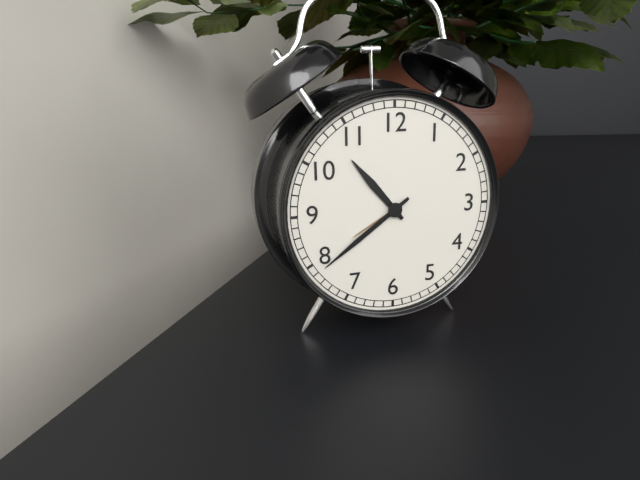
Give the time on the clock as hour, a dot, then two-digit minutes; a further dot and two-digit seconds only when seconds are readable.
10.39
